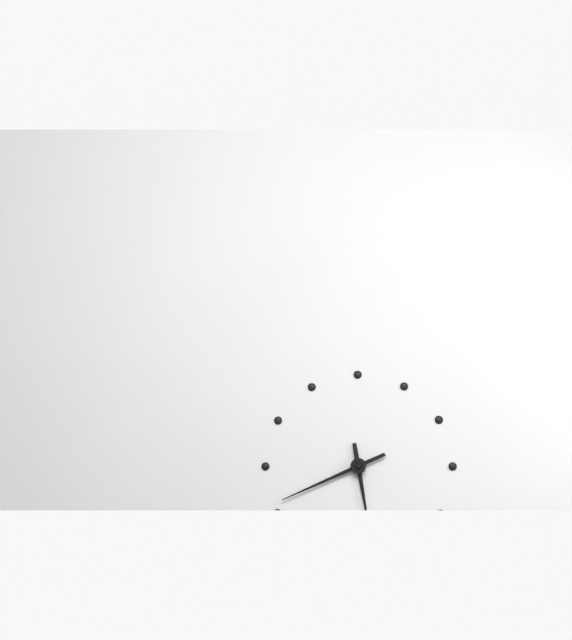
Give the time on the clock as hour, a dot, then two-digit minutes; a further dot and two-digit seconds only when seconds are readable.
5.41
